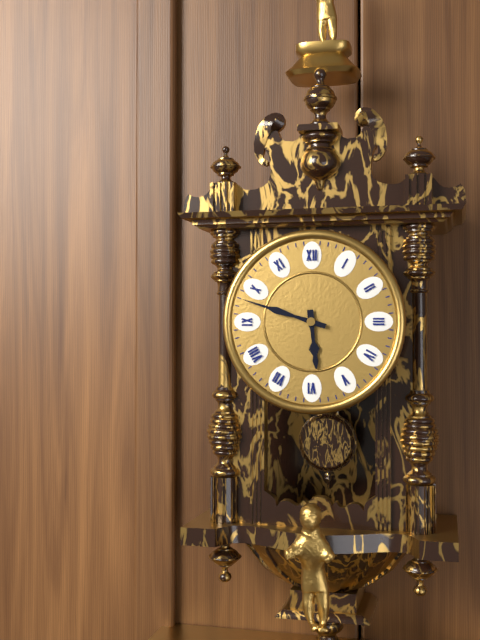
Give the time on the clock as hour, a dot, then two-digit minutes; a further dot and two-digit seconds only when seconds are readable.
5.48
